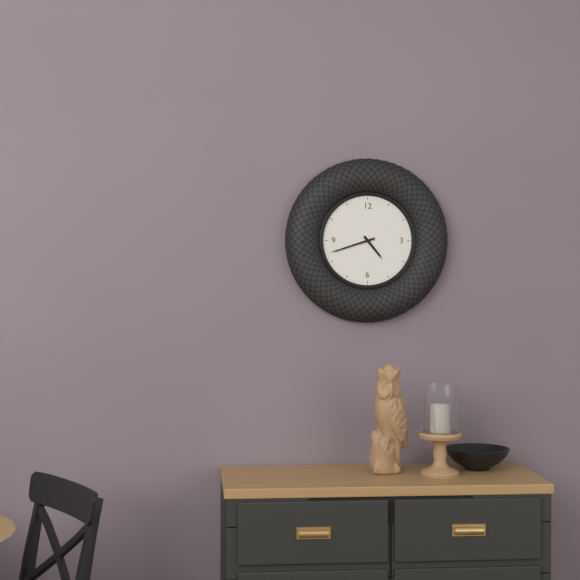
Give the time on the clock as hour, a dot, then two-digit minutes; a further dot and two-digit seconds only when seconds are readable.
4.42
